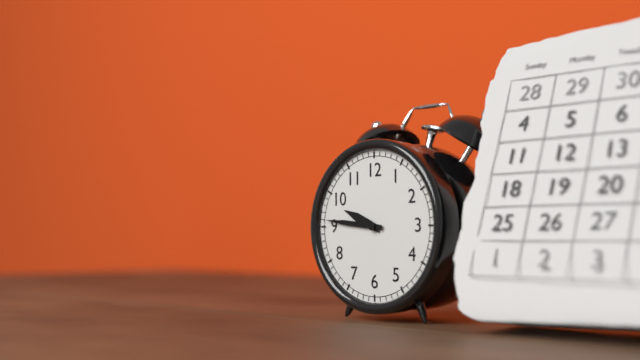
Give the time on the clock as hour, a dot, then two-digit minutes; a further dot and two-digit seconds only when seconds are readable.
9.46
